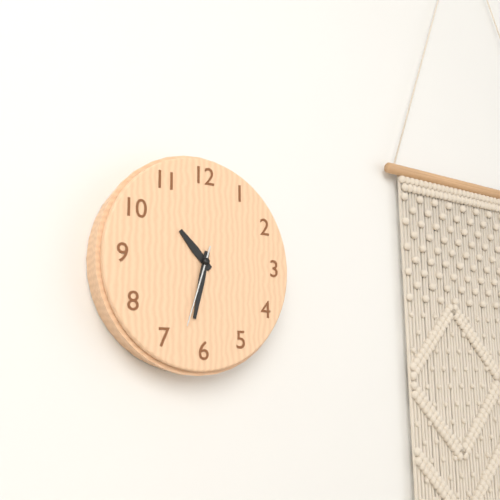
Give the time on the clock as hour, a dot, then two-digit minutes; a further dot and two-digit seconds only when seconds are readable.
10.32.33
